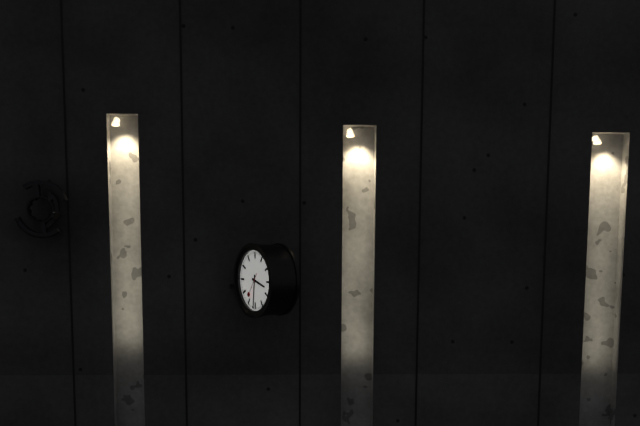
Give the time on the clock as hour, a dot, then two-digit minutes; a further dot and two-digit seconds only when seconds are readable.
3.31
